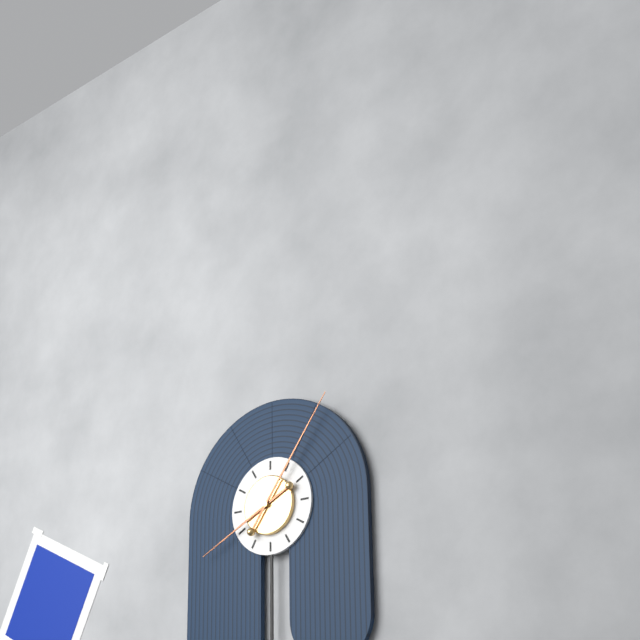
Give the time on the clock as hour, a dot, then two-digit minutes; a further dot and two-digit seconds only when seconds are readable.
8.06
